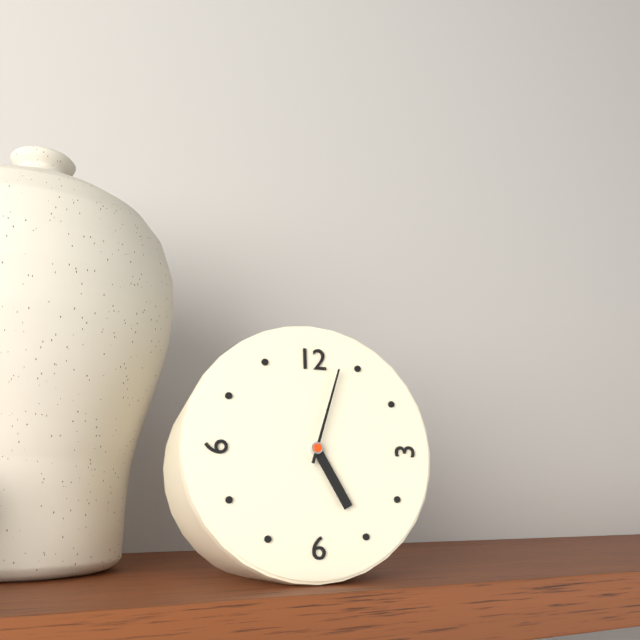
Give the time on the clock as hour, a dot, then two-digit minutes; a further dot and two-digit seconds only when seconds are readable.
5.03
